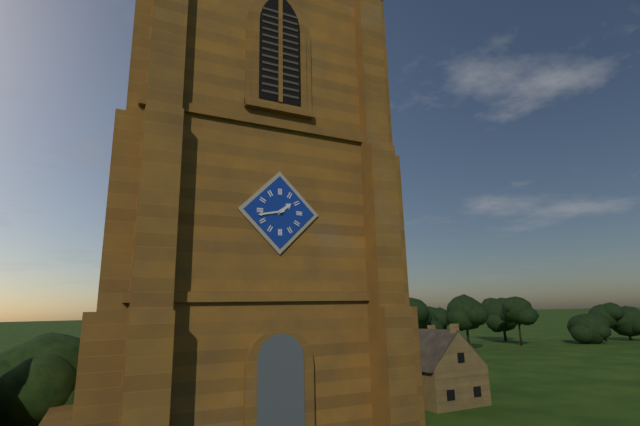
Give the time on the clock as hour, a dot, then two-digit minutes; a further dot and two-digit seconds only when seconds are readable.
1.43
